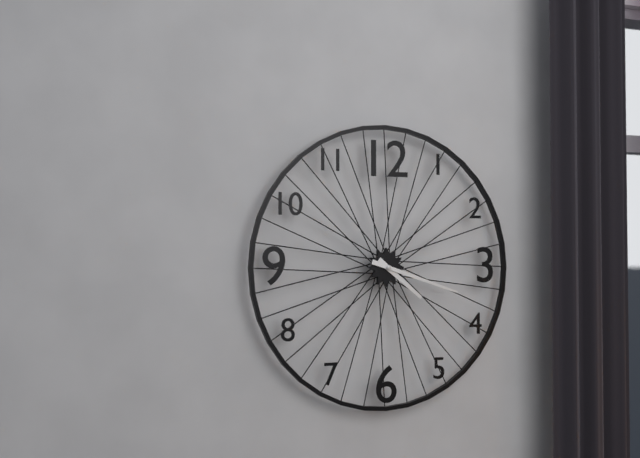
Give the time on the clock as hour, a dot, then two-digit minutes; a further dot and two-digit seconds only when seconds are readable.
4.18
